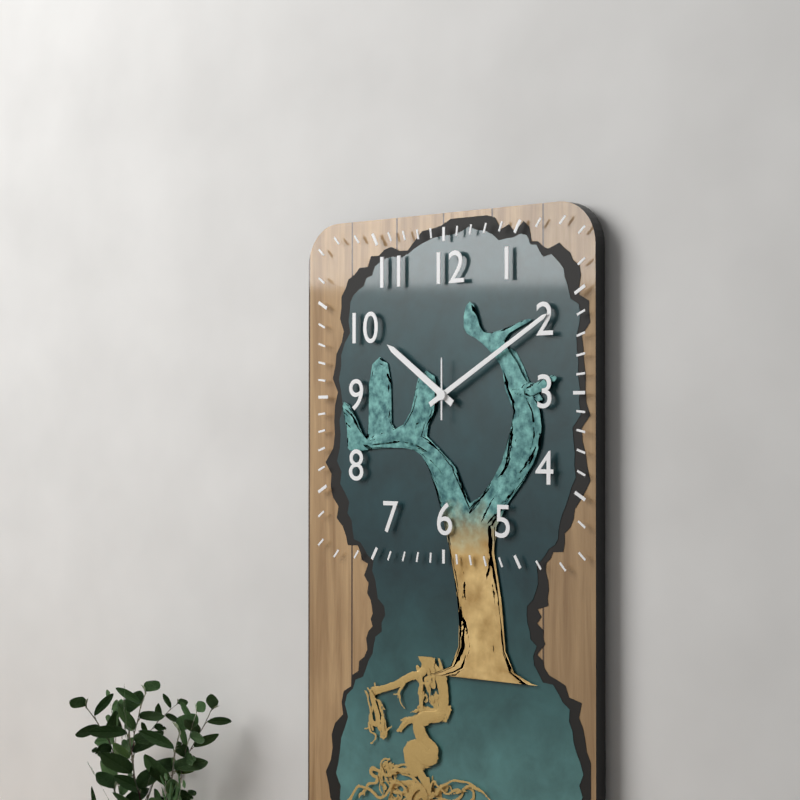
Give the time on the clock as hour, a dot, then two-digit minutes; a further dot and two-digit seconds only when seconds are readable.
10.10.00
